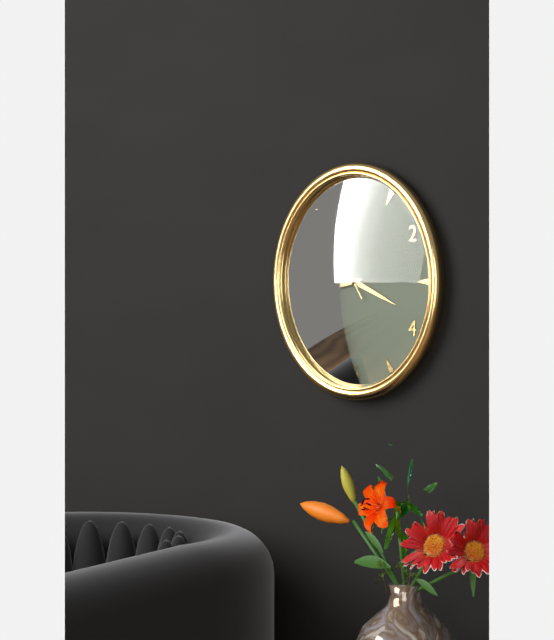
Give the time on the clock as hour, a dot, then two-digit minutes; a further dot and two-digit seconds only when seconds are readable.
3.43.54
